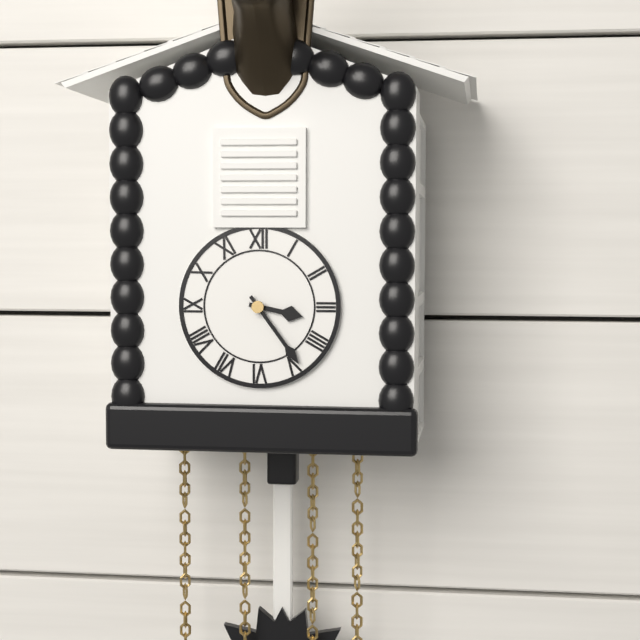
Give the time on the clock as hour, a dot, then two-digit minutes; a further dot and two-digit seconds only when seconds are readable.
3.24
